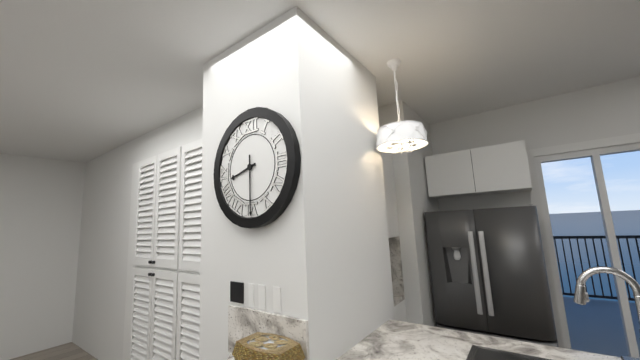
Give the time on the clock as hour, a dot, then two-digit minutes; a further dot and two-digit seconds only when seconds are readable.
8.30
